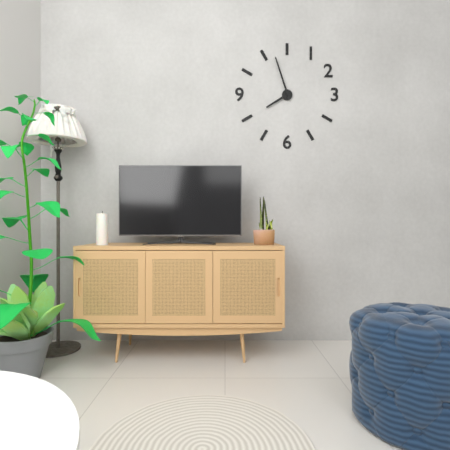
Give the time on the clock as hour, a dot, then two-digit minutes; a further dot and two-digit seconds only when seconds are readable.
7.57
